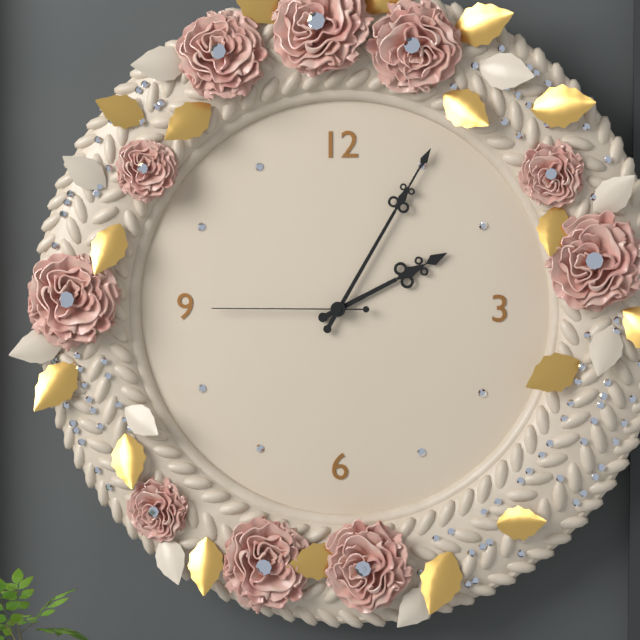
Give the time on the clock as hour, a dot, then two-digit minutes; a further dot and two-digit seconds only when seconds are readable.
2.05.45
